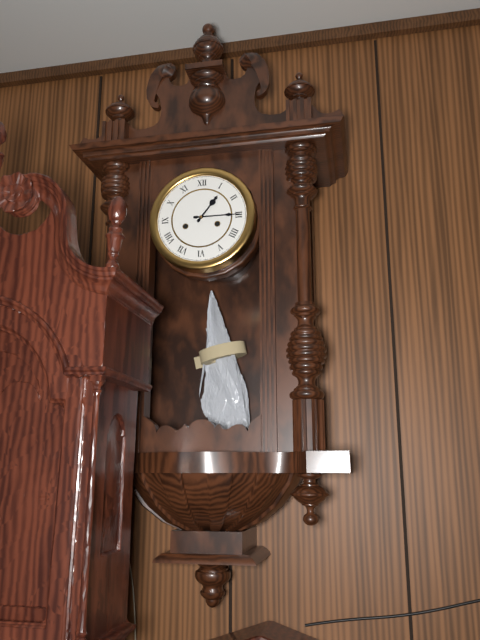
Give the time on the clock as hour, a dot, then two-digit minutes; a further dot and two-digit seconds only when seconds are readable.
1.15
